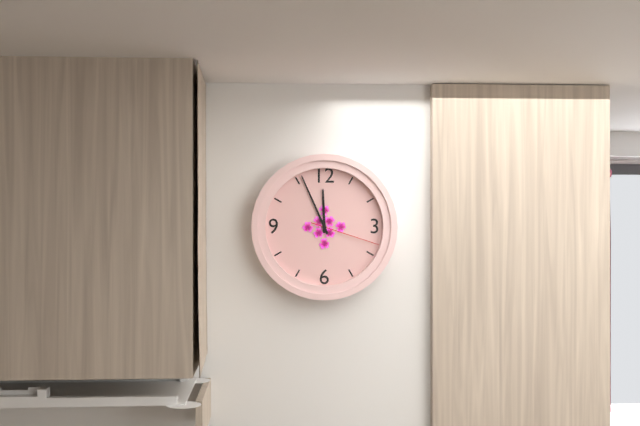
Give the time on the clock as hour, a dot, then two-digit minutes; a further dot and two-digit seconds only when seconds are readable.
11.56.18
